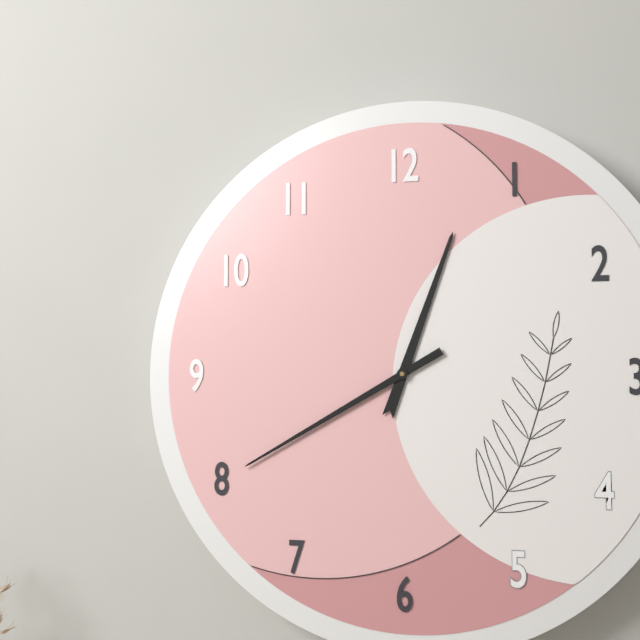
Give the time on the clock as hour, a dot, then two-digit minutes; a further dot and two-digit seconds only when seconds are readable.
12.40
